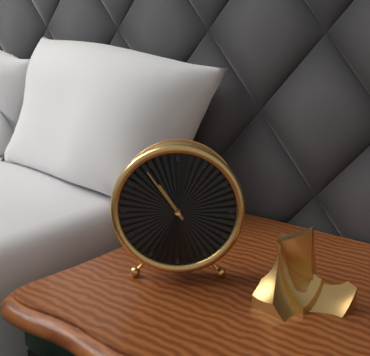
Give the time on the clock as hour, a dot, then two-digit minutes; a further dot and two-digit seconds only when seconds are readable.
10.54
